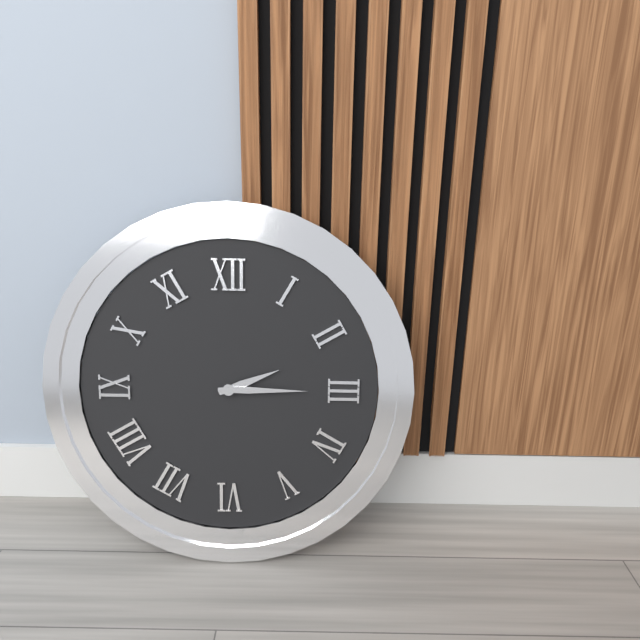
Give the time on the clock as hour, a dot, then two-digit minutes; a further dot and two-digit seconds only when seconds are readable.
2.15
